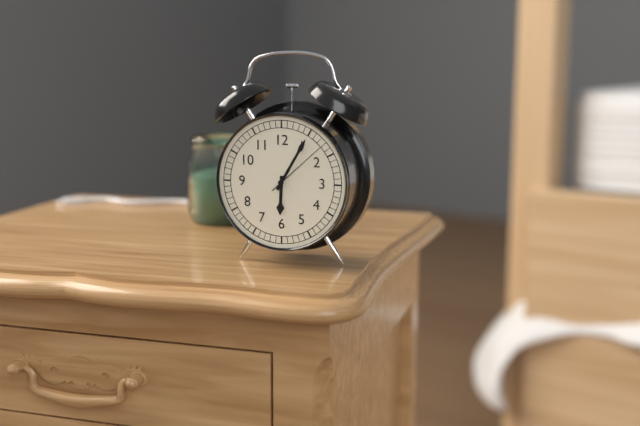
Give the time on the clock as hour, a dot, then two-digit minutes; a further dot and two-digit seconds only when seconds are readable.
6.05.08
